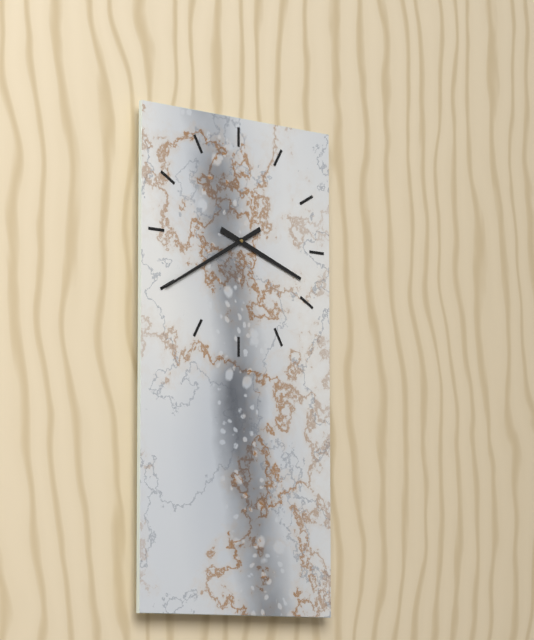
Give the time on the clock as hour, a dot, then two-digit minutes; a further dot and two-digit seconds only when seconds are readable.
3.40
